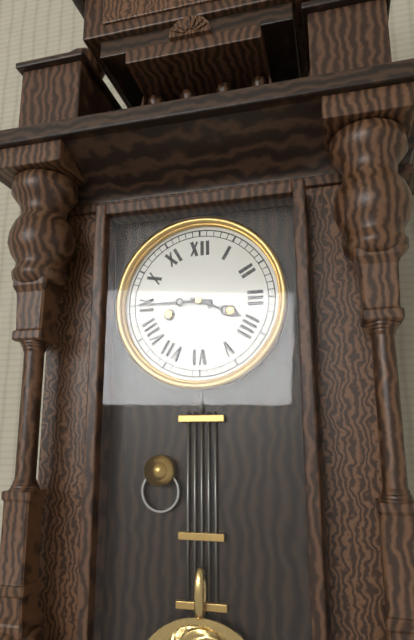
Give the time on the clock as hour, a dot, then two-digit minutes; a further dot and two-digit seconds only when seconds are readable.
3.45
